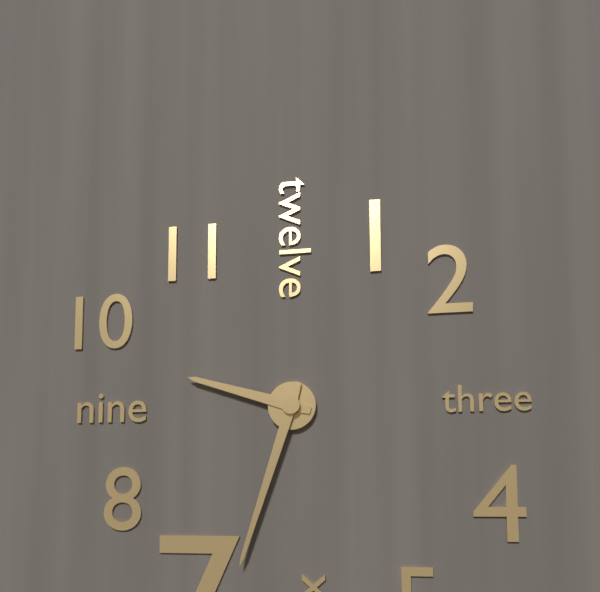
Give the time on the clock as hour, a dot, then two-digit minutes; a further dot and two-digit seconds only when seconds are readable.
9.33
